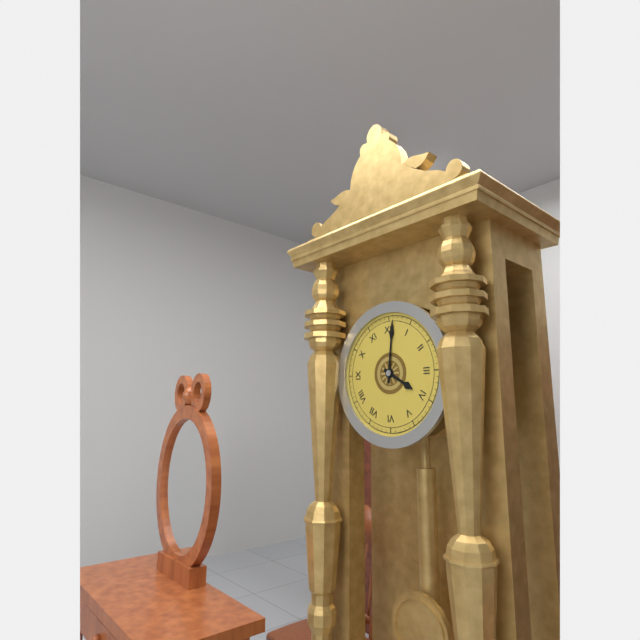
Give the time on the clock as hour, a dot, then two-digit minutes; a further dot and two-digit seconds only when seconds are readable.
4.01
